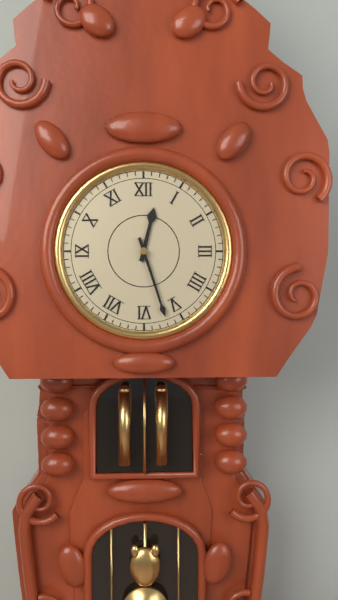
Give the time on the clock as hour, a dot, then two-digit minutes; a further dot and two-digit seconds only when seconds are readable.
12.27
